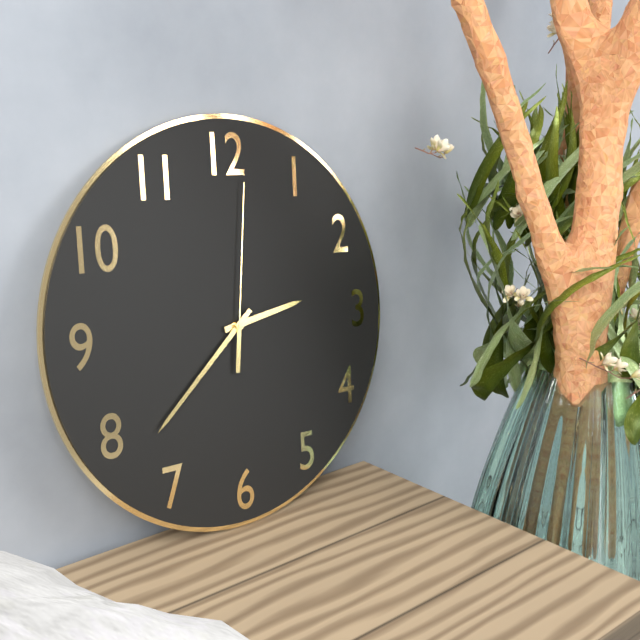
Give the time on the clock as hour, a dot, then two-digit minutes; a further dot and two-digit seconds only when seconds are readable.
2.38.01
